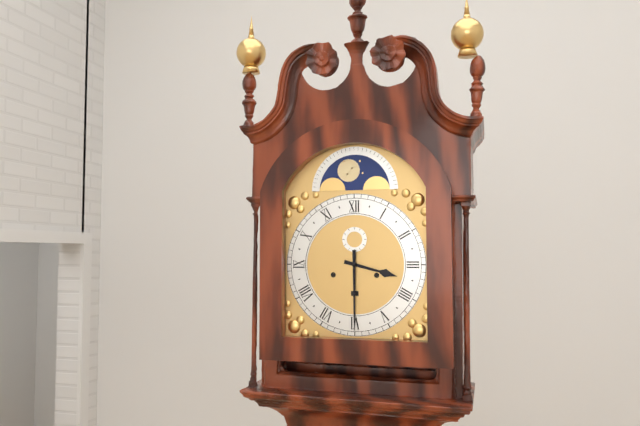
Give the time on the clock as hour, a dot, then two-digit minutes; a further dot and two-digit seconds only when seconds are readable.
3.30
